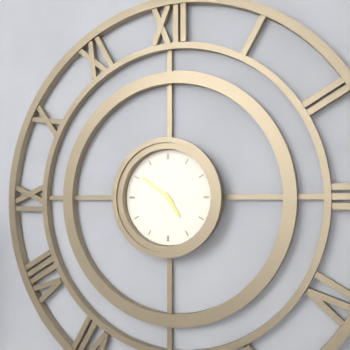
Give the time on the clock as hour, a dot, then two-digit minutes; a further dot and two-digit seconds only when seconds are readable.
4.51
